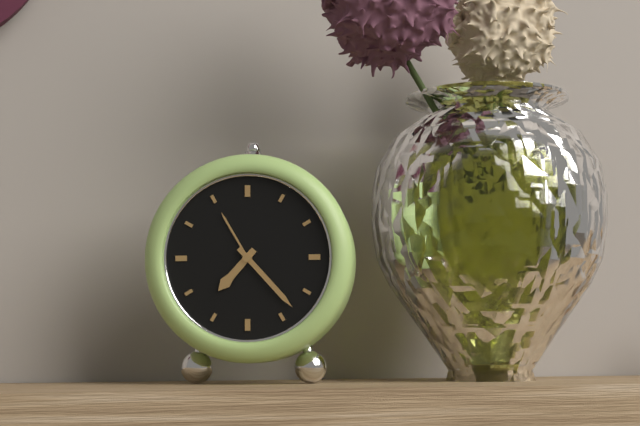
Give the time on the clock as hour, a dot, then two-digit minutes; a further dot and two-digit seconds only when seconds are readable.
7.23
